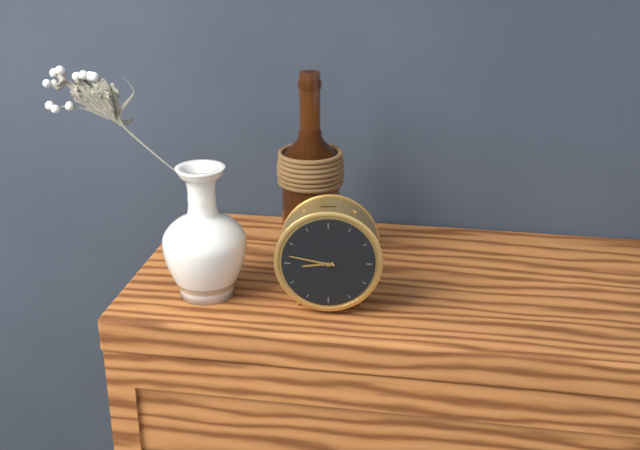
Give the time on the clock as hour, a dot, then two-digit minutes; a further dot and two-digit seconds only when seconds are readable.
8.47
